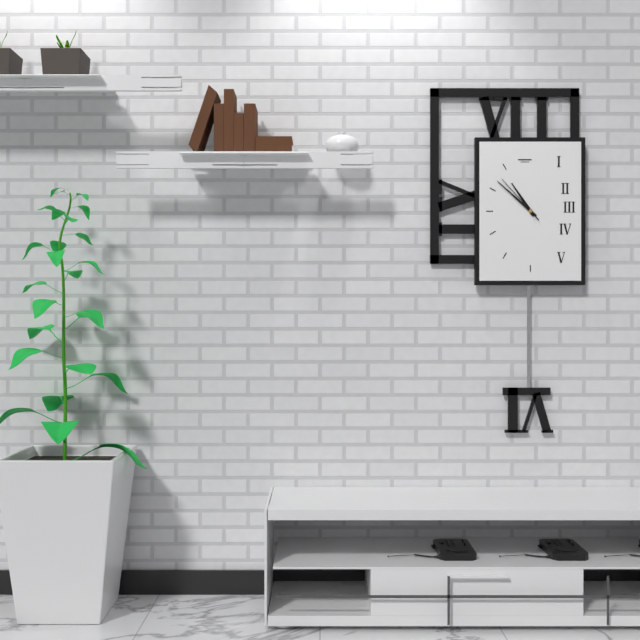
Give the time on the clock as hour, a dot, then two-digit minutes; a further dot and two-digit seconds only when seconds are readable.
10.52.53
